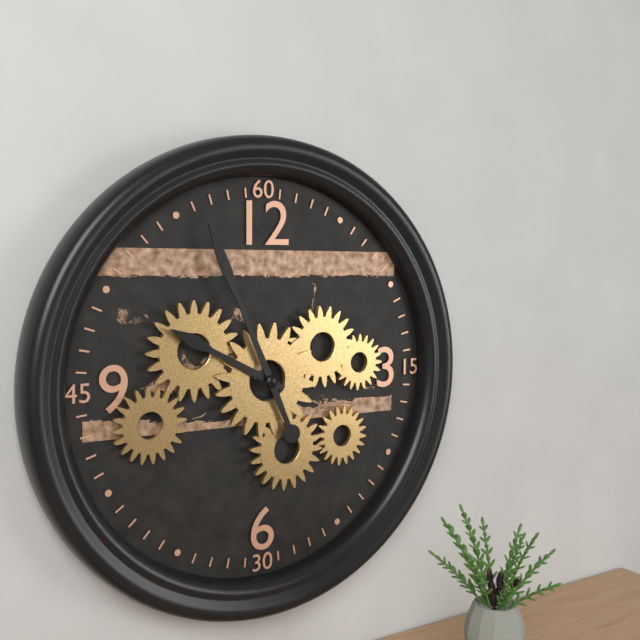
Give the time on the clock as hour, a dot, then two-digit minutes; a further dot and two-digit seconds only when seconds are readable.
9.56
